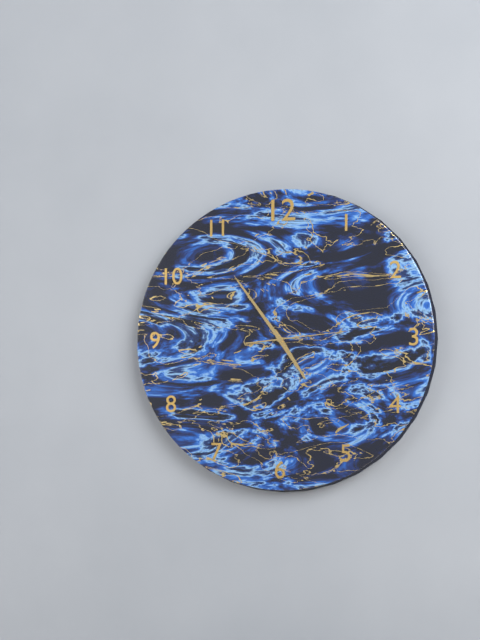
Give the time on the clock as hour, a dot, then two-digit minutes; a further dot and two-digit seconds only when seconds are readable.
4.54.14
